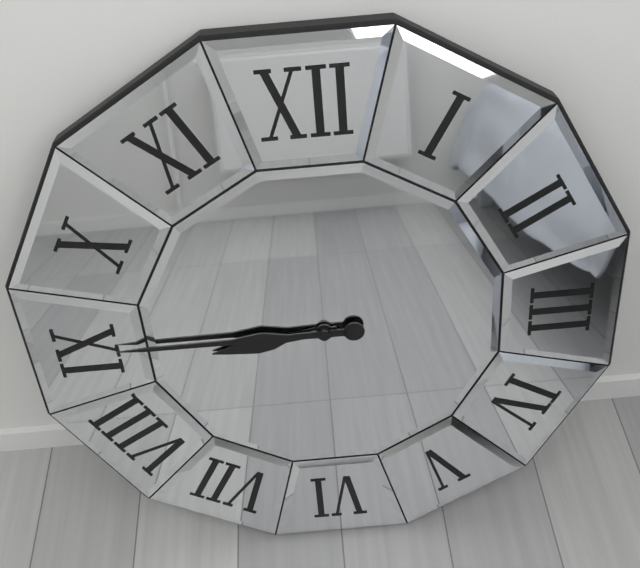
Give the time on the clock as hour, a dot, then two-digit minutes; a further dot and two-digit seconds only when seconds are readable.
8.45
